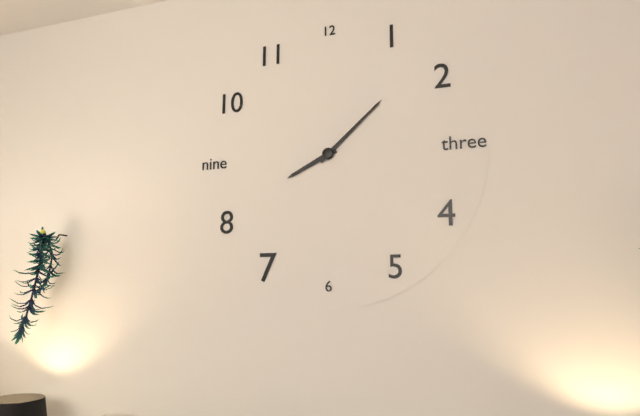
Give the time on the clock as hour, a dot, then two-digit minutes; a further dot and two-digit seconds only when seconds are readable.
8.08
